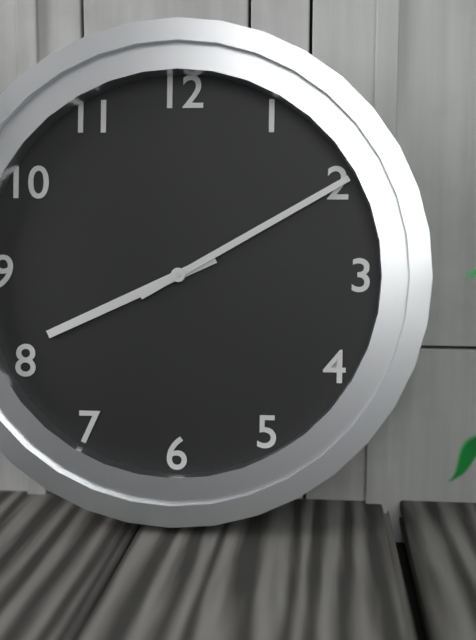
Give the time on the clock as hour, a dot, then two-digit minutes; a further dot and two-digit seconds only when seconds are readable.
8.10
